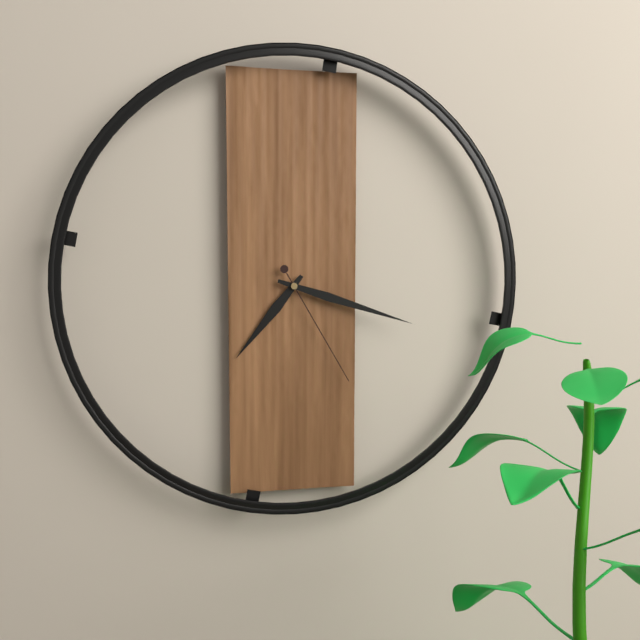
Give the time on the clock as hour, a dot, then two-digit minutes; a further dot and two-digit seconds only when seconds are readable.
7.18.25
